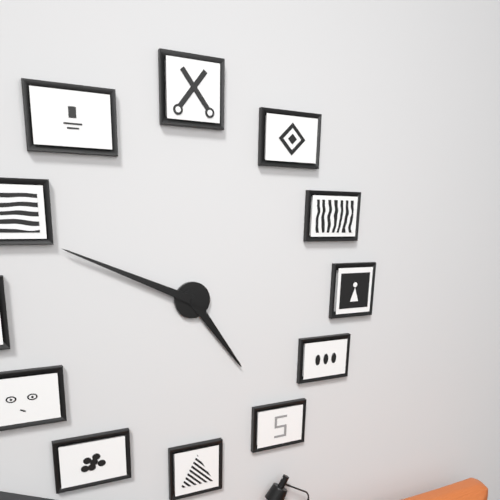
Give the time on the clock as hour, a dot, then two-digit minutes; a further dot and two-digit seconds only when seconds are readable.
4.49
